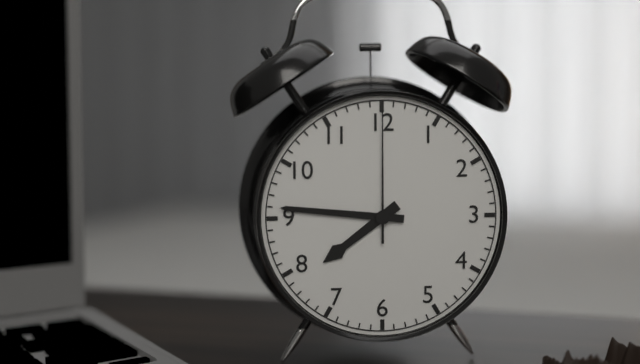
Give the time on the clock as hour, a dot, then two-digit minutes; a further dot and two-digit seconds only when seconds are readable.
7.46.00
